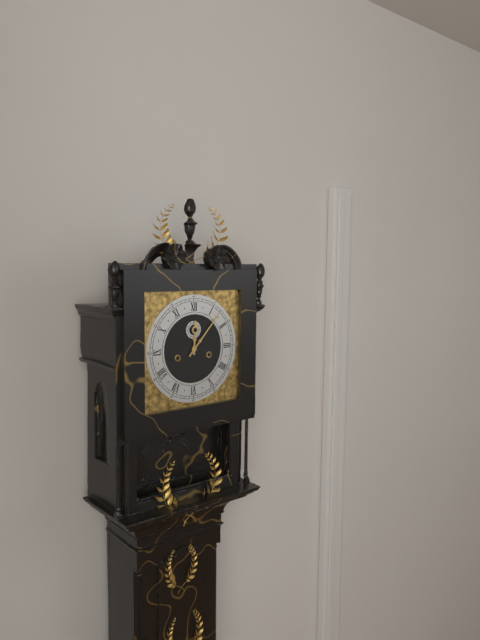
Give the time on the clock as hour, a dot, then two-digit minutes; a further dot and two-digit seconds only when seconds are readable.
12.07
